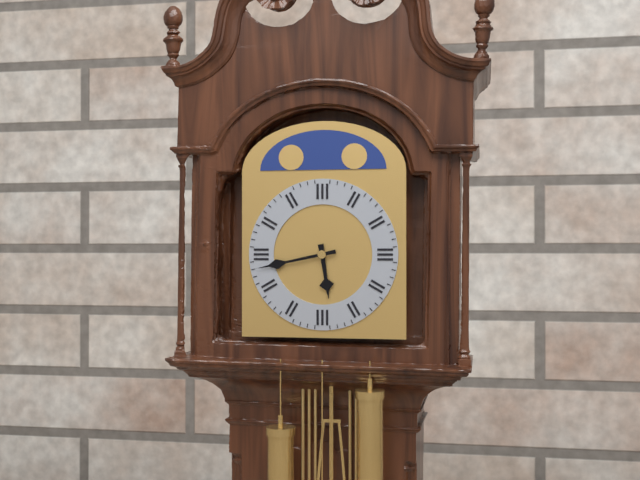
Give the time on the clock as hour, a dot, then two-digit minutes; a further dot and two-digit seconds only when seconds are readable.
5.43
